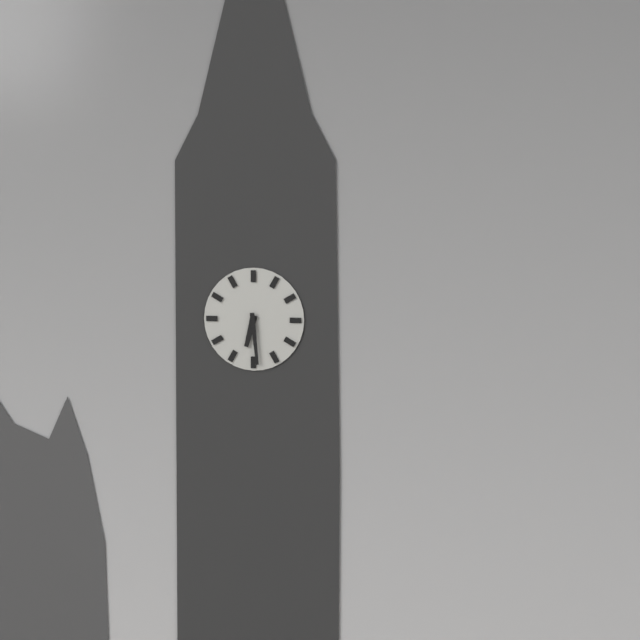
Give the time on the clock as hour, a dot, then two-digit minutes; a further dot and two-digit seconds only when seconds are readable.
6.29
